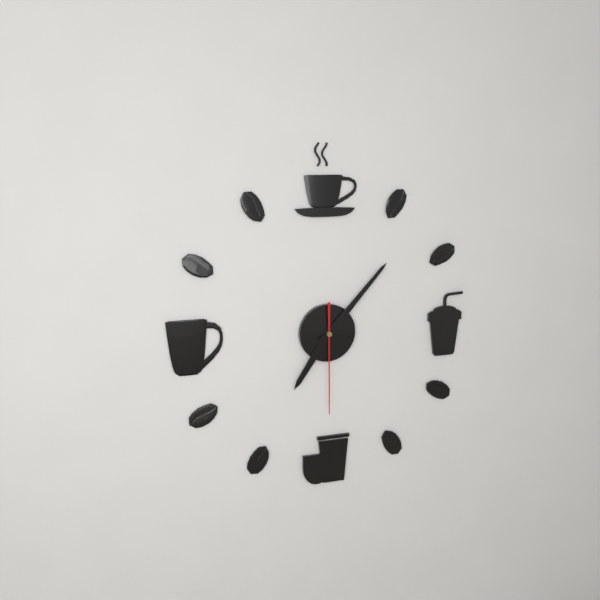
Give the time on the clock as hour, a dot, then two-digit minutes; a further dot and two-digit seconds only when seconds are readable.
7.07.30
